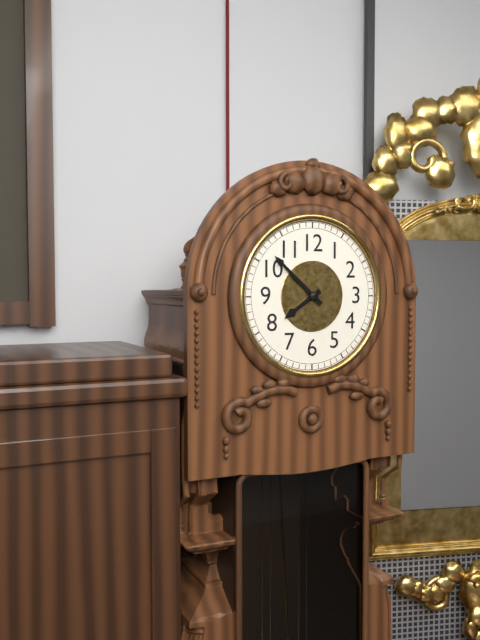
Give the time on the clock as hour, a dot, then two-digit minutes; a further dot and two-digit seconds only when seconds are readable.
7.52
